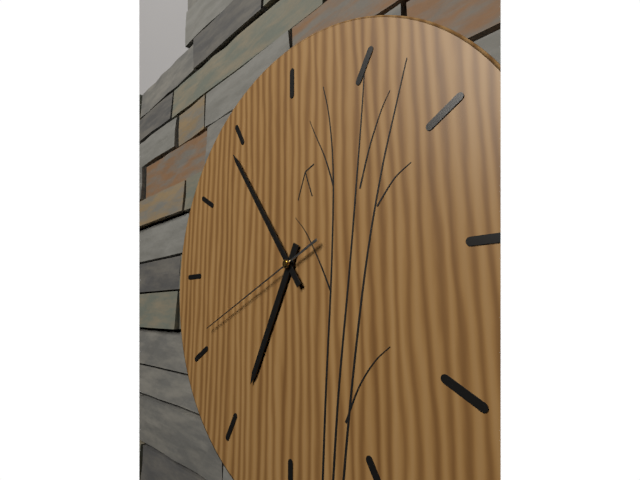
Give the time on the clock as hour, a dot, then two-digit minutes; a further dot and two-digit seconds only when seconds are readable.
6.54.41
